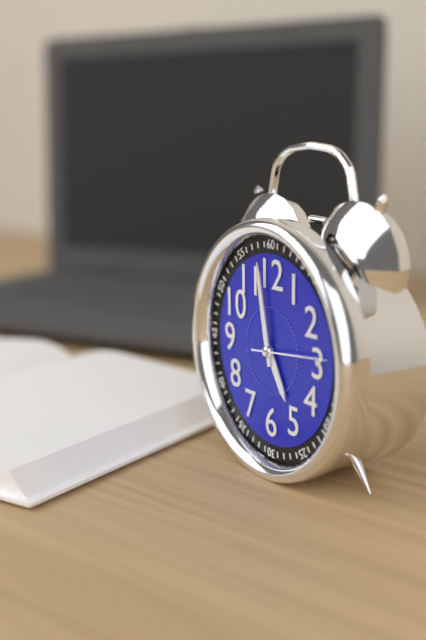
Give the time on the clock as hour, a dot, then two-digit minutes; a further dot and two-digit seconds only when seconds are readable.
4.58.14
